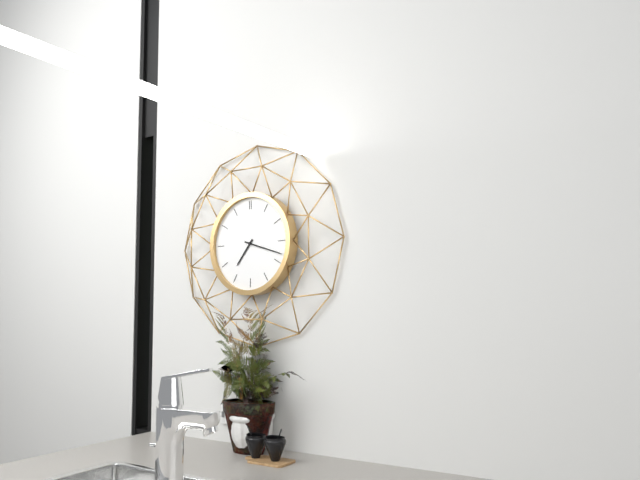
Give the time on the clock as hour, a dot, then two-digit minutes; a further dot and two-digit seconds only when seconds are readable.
7.18
